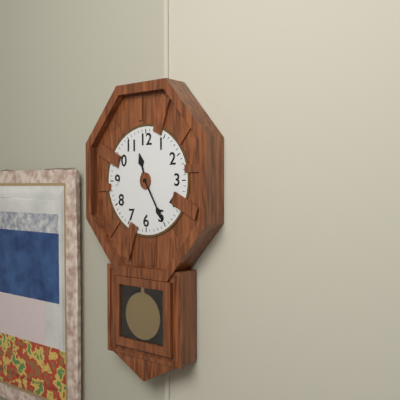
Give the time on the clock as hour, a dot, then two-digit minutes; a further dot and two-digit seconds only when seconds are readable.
11.25
